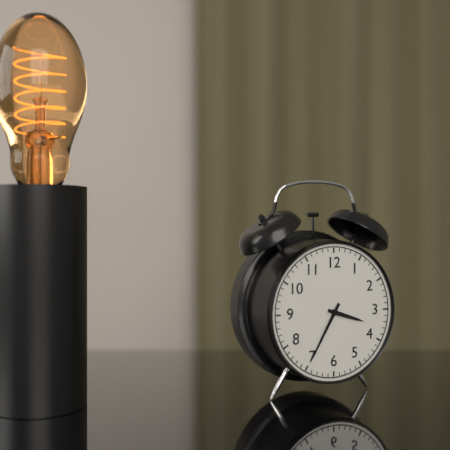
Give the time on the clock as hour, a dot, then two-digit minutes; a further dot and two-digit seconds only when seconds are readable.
3.35
